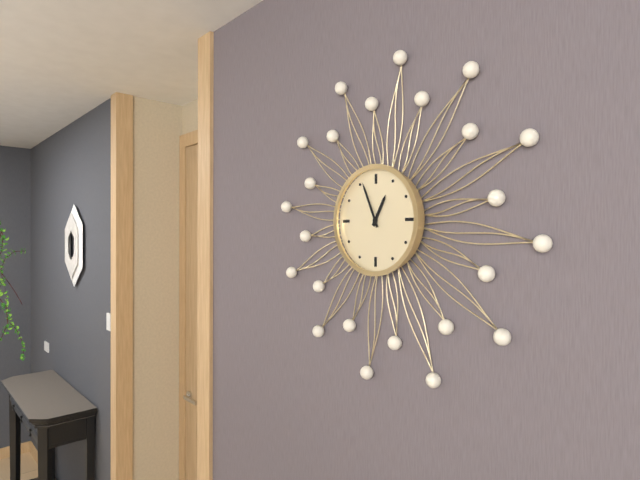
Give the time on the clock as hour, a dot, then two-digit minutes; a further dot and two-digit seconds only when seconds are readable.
12.56
